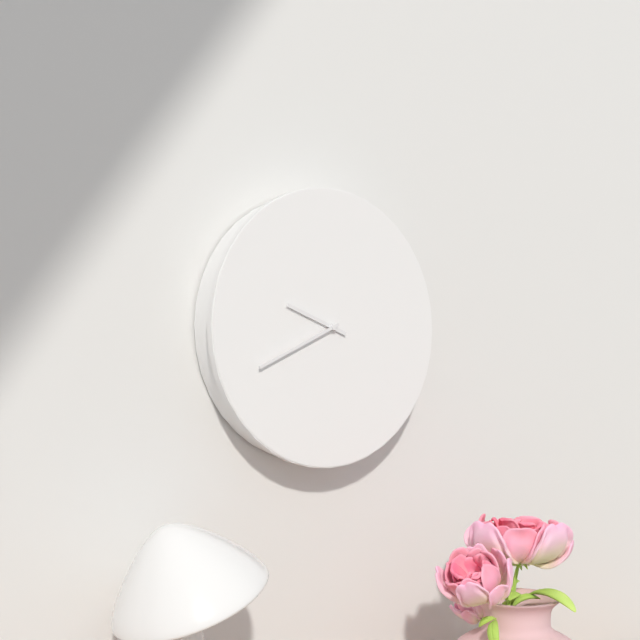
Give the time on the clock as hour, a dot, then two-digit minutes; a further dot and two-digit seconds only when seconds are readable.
9.41
